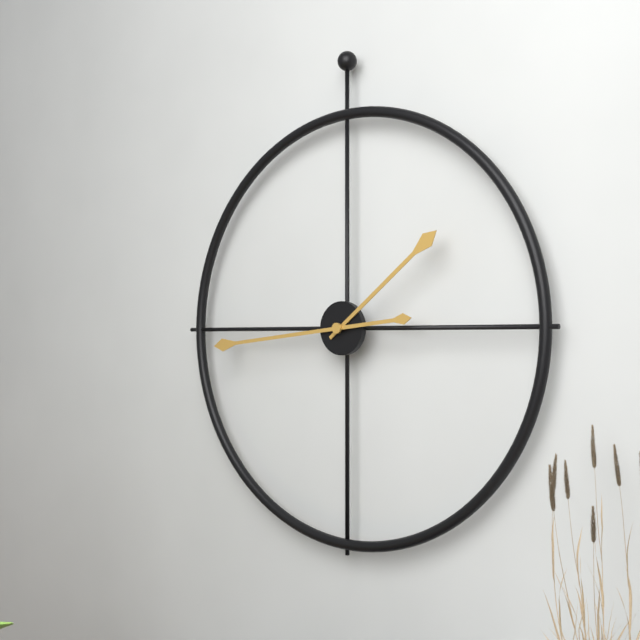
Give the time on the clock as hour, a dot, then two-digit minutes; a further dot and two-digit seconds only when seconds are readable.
1.44
